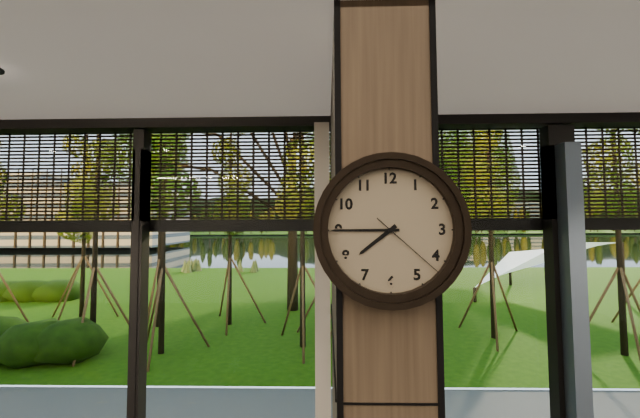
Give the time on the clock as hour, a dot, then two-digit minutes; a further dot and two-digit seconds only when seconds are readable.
7.45.22
